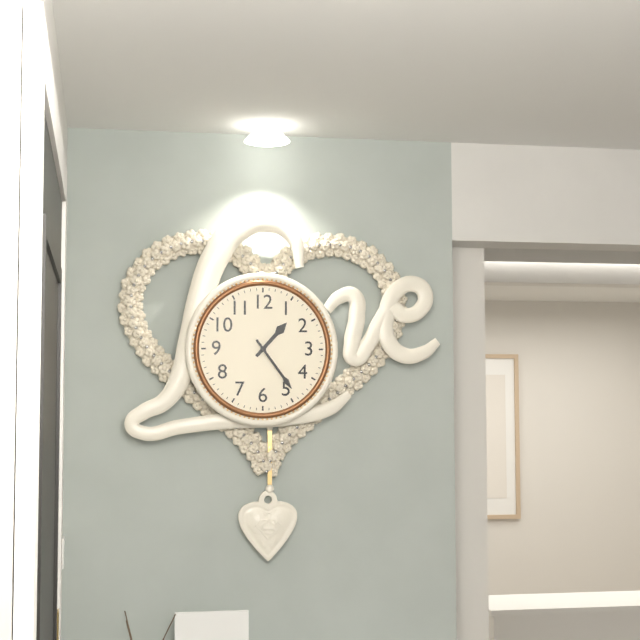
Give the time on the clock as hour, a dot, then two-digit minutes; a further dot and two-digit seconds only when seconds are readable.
1.24
